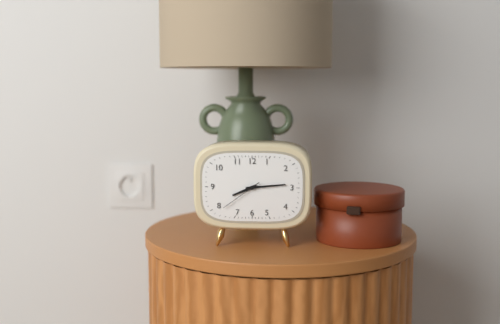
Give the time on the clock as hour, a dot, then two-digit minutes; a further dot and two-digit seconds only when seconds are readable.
8.14
